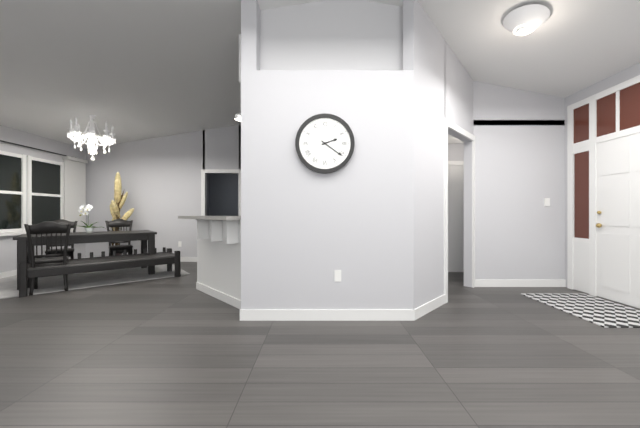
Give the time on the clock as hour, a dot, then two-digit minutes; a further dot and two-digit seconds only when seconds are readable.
2.21
